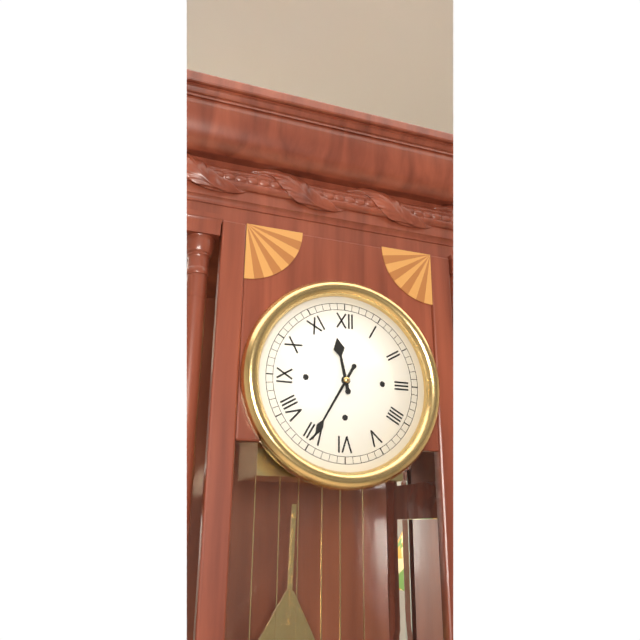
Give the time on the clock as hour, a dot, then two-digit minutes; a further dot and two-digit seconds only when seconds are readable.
11.35
